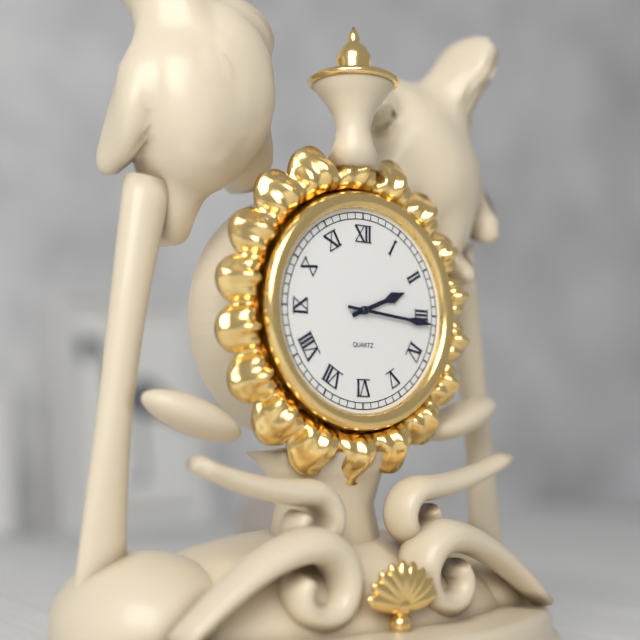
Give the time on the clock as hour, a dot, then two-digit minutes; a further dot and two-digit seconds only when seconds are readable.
2.16
